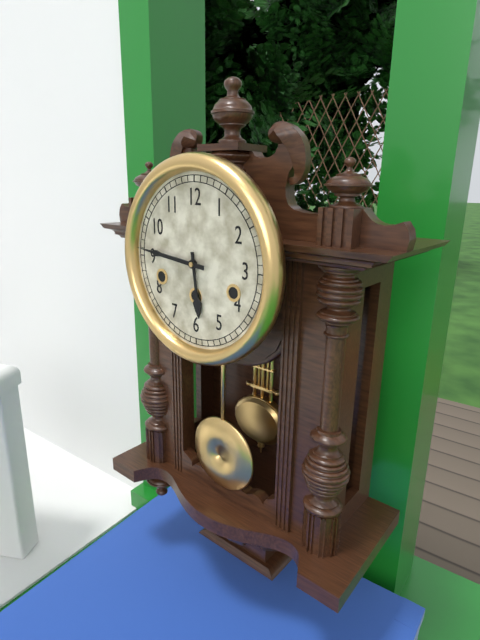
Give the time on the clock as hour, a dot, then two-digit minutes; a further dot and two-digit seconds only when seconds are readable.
5.46
